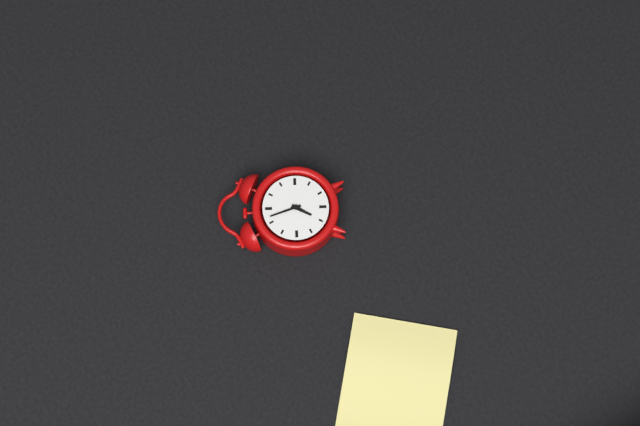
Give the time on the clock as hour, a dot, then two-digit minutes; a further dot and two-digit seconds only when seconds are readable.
6.57
